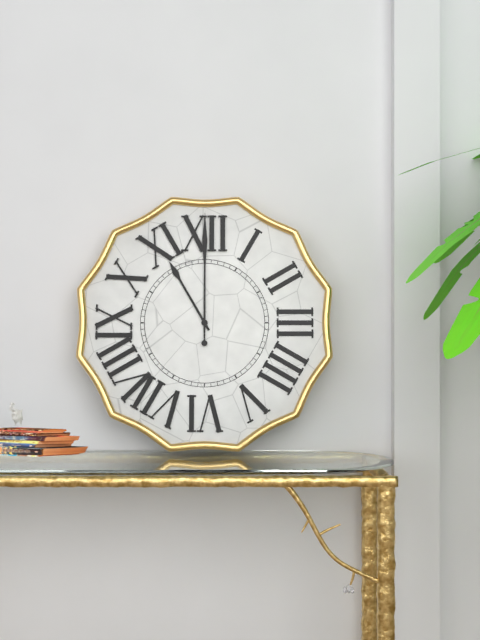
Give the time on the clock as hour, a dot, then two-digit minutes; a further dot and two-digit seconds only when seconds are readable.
11.00
